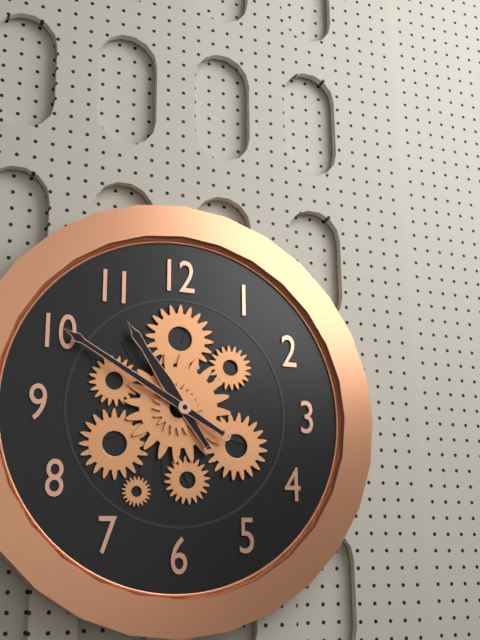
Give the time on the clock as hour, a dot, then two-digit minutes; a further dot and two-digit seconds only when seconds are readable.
10.50
